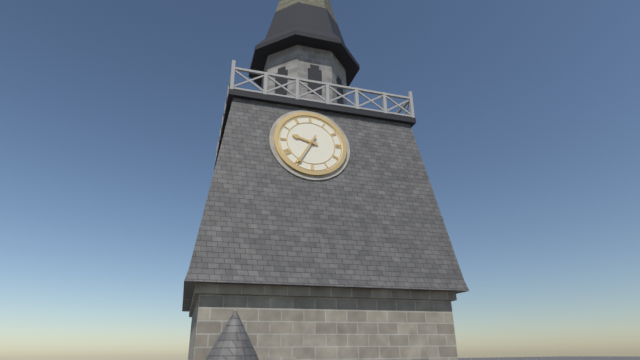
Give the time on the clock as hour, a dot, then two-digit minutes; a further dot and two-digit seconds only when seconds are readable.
9.35
